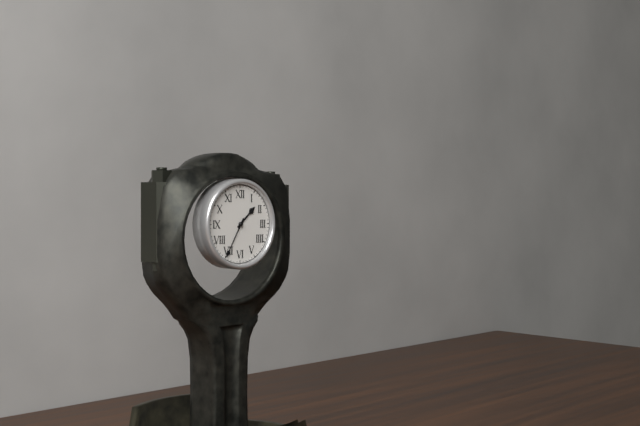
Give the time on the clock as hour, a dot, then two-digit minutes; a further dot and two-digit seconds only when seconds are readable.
1.35
